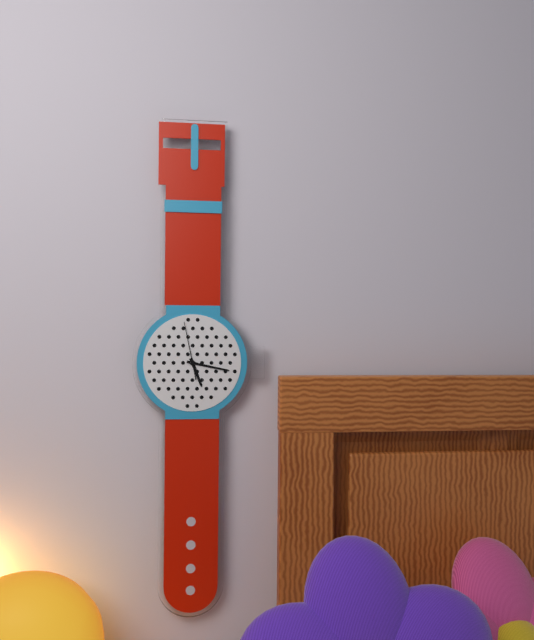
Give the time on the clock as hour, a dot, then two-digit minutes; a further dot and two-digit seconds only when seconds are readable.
5.17.58
